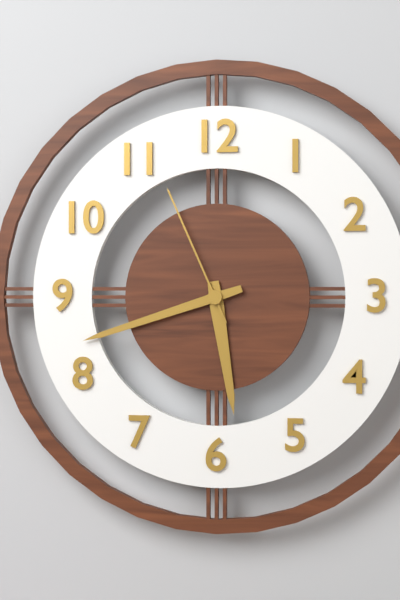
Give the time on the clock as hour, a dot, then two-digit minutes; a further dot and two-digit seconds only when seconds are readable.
5.42.56
